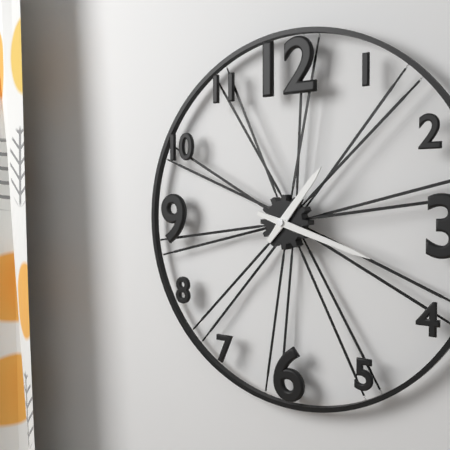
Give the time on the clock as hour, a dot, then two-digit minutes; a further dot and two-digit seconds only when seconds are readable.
1.18
